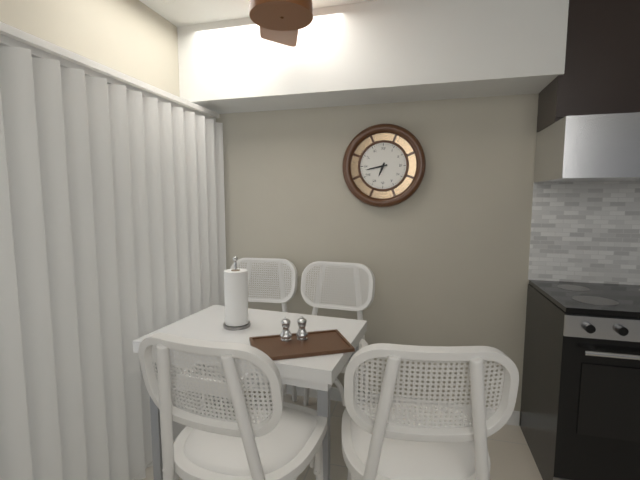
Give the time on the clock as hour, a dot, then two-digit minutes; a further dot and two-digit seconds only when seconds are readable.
6.43
